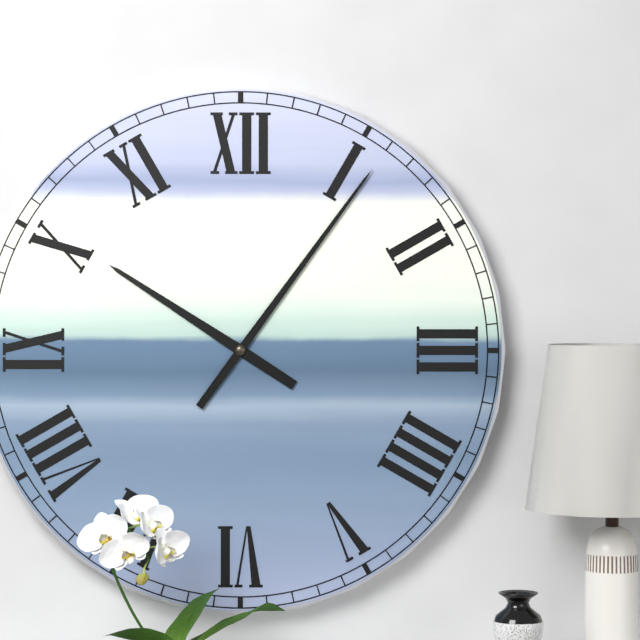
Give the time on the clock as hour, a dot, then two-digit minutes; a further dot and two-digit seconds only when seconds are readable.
10.06
